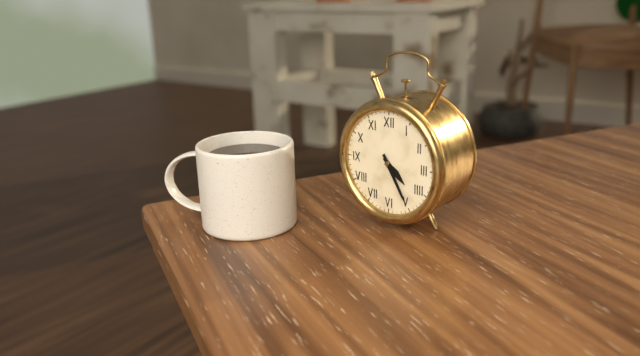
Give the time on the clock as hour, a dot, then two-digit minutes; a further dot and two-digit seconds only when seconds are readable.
4.25
